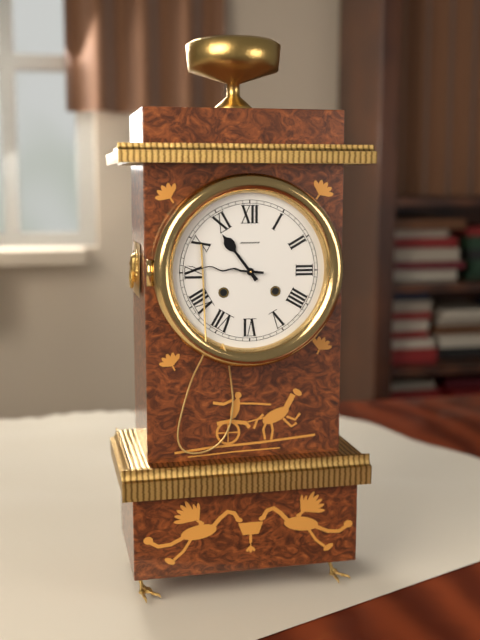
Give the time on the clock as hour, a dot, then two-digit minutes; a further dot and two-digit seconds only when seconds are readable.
10.46
